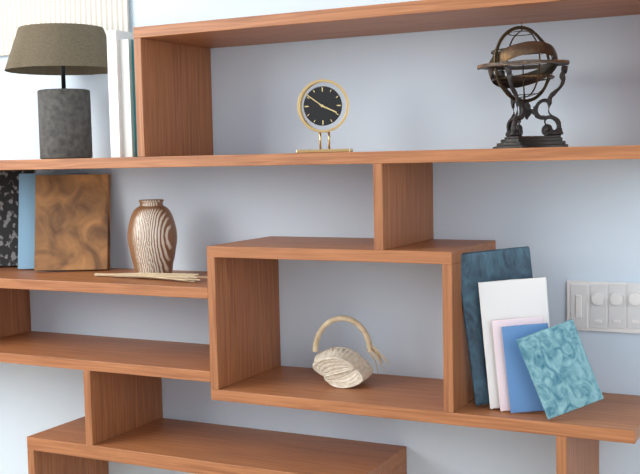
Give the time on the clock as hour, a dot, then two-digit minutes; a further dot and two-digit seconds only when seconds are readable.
3.51
